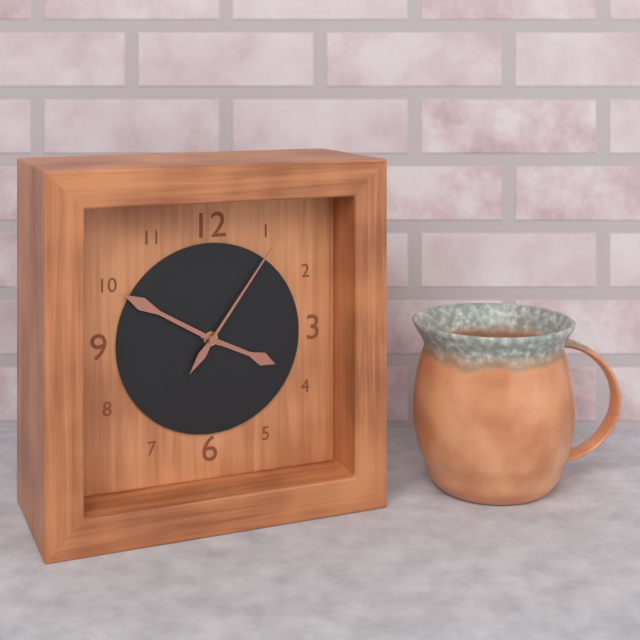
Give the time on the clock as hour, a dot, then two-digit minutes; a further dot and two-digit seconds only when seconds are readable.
3.50.06
